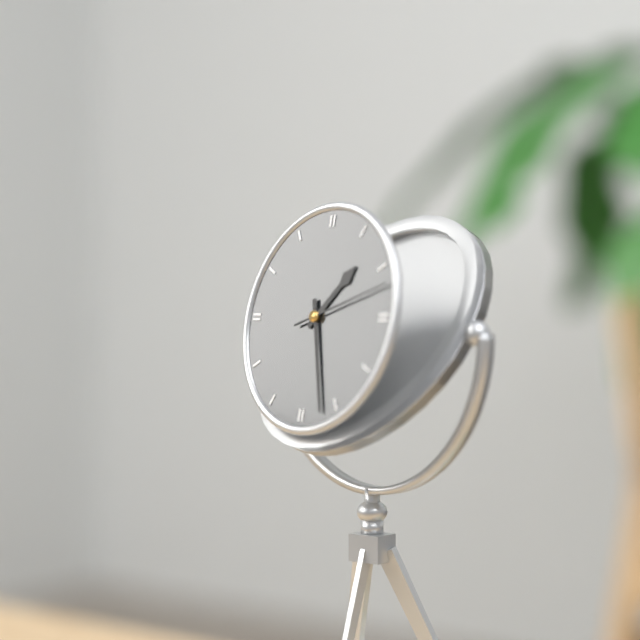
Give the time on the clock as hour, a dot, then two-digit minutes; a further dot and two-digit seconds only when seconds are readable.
1.27.12
